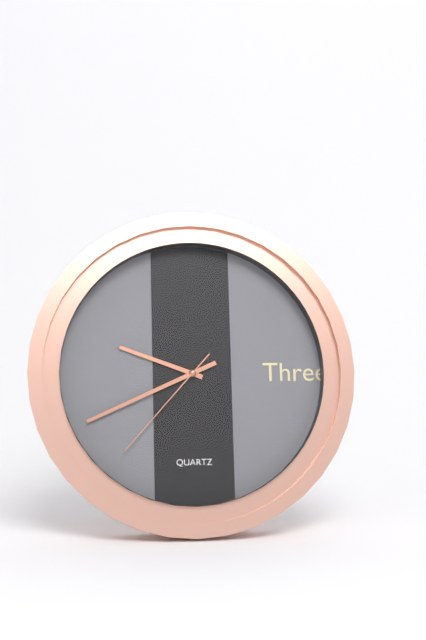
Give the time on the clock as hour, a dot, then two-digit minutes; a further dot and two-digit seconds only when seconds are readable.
9.41.37
